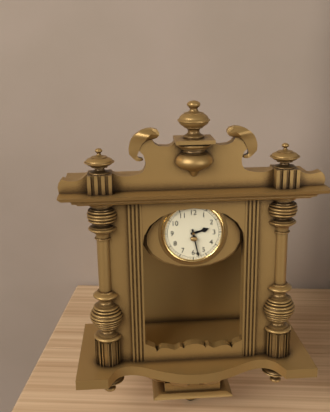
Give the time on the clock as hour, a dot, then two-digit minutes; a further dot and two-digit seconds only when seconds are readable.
2.28
